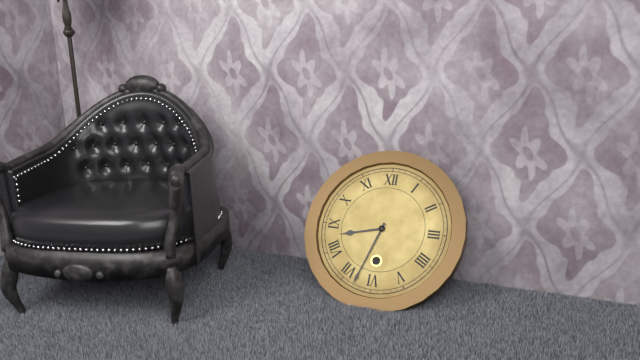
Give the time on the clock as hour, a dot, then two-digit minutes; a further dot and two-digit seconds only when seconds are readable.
8.33
